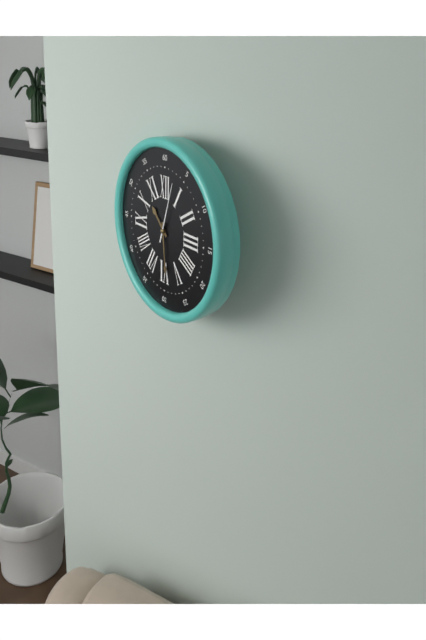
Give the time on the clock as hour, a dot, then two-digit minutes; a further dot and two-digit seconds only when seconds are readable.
10.29.03
